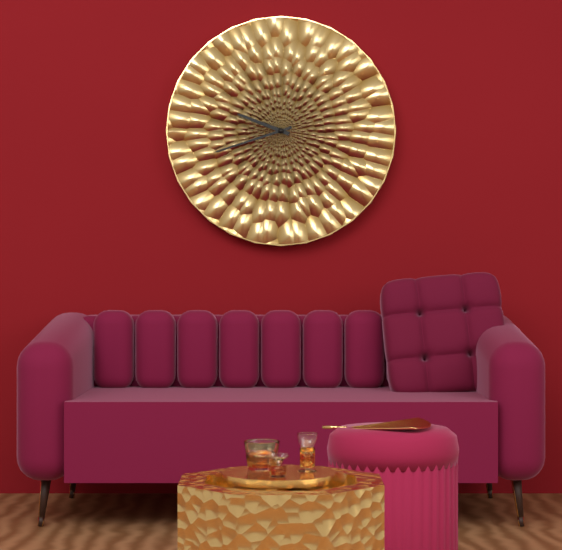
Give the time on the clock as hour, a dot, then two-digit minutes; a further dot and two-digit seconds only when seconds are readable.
9.42
